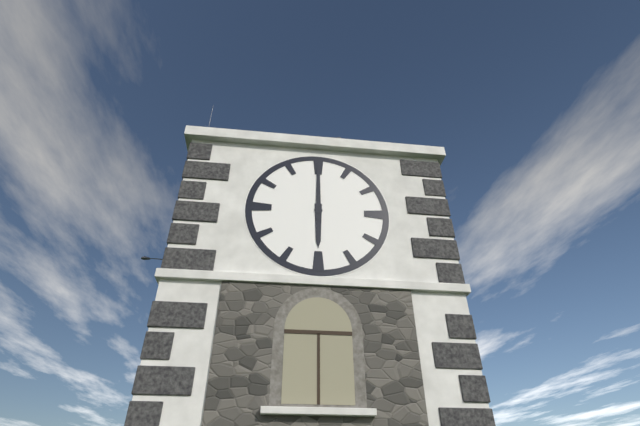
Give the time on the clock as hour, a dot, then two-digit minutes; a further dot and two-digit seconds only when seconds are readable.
6.00
